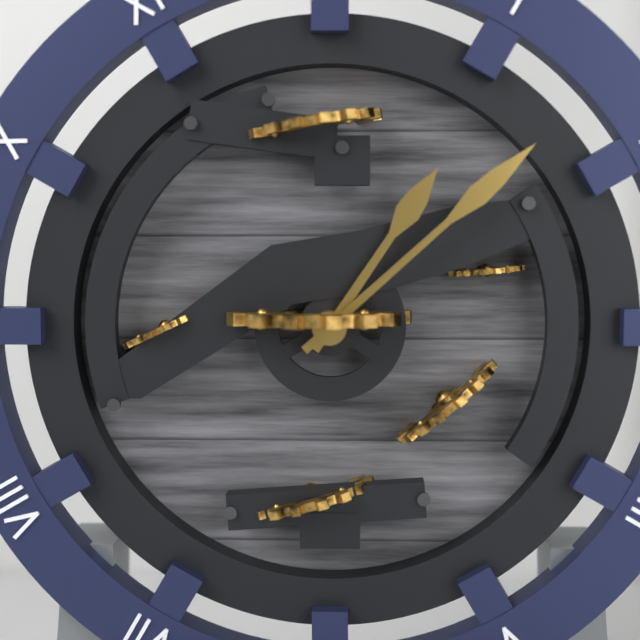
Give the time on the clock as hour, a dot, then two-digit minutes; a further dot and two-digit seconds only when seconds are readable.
1.08
